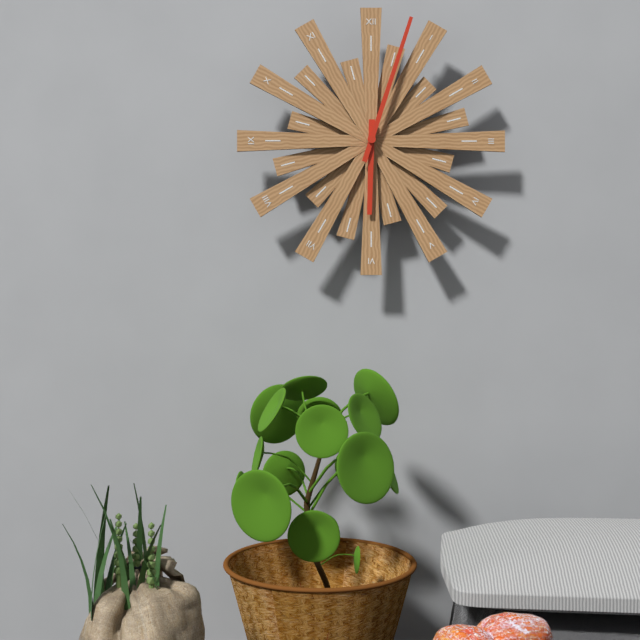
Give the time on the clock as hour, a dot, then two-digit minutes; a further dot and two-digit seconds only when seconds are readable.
6.03
